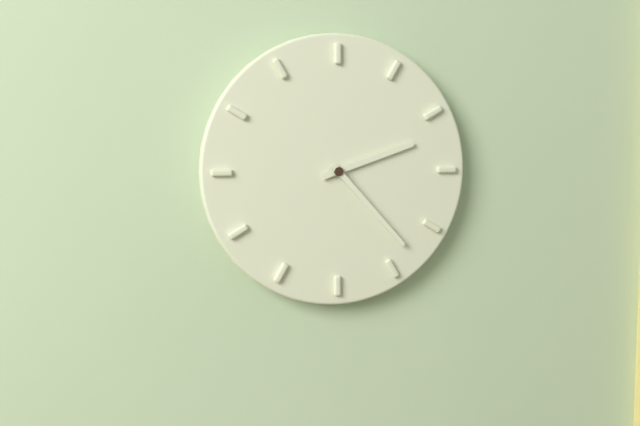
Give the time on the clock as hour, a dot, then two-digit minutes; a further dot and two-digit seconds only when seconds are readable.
2.23
